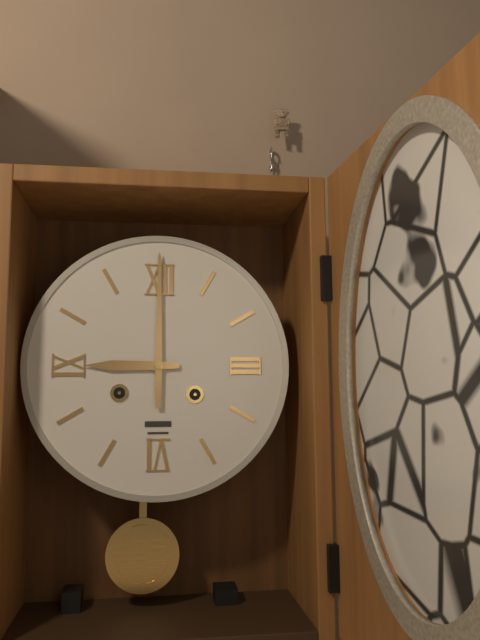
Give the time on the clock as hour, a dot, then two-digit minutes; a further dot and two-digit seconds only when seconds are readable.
9.00
